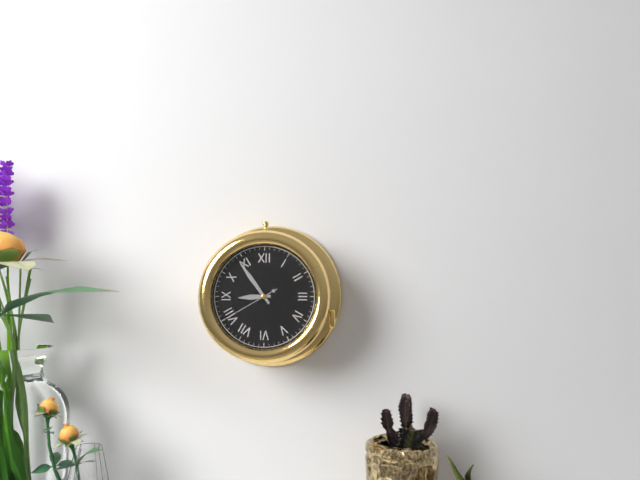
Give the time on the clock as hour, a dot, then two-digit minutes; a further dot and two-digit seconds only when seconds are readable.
8.54.40
